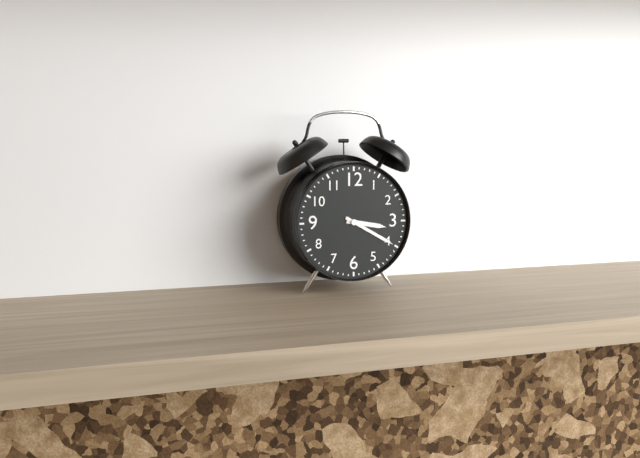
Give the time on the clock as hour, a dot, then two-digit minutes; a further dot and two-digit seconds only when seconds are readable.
3.20
